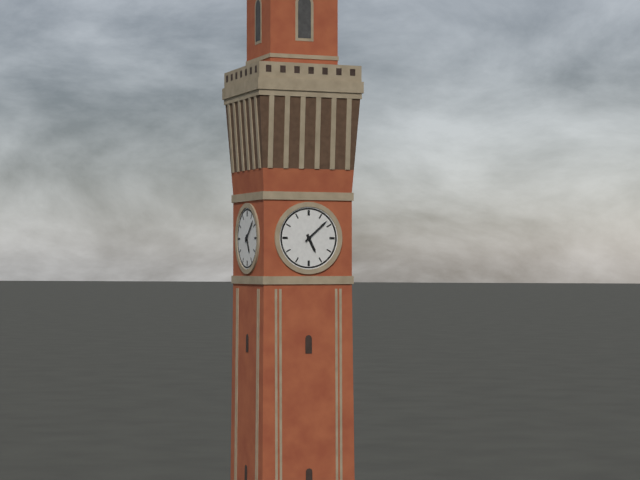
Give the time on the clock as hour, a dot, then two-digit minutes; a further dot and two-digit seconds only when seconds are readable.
5.08
